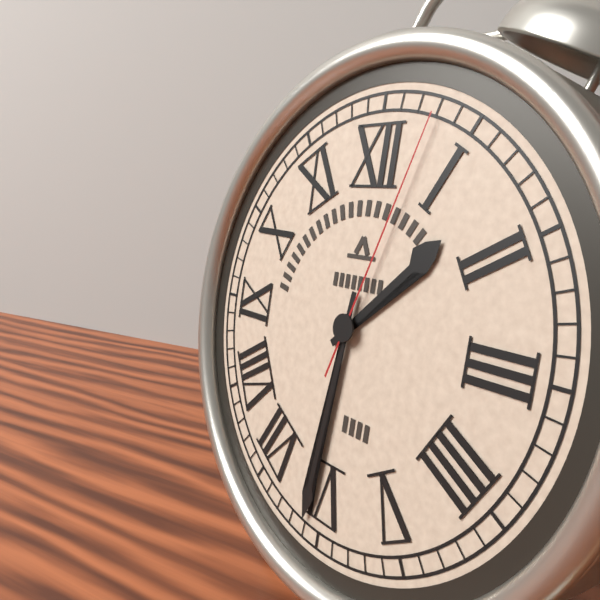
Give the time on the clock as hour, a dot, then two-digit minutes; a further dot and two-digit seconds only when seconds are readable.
1.31.03
